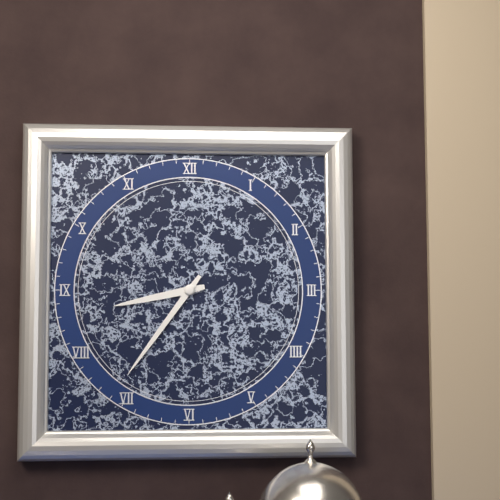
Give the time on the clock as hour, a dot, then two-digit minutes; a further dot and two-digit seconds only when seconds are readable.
8.36
